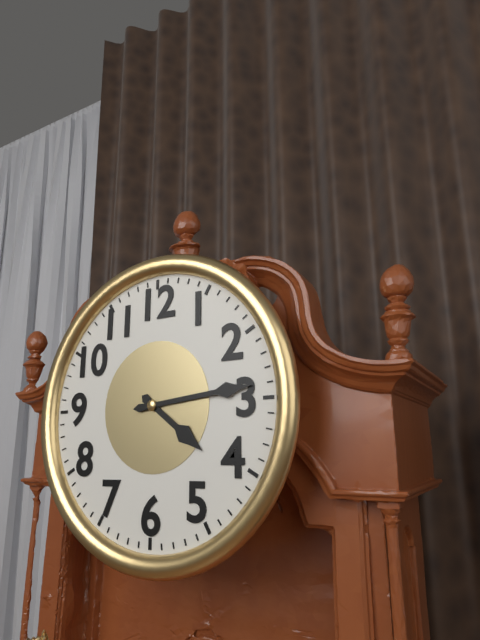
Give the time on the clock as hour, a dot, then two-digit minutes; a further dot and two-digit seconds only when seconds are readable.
4.14
